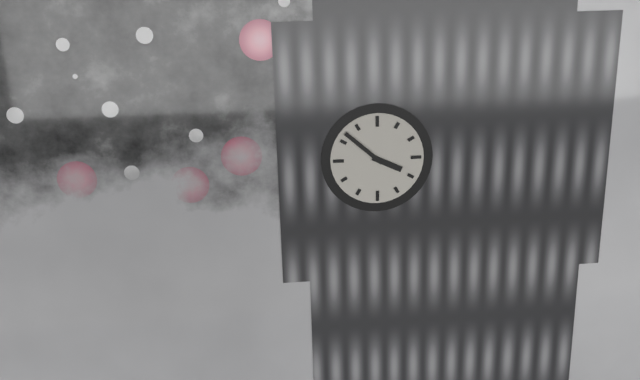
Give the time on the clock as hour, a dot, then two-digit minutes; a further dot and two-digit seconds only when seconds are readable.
3.52
